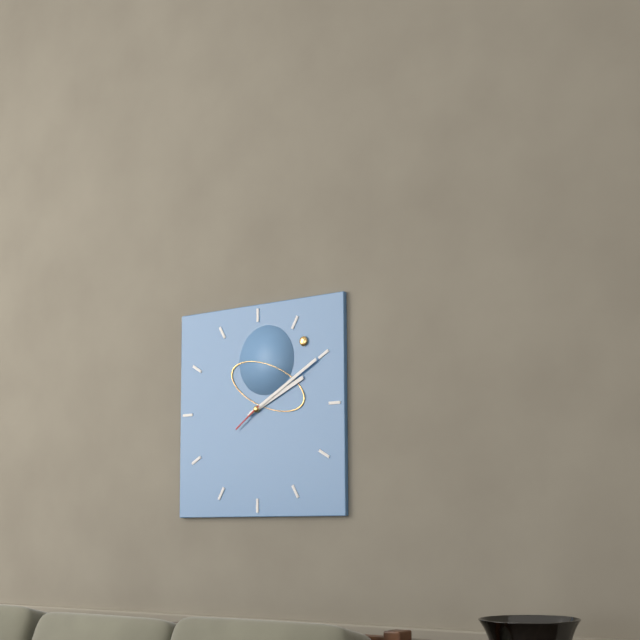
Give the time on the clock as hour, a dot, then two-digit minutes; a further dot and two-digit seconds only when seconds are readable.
2.10
